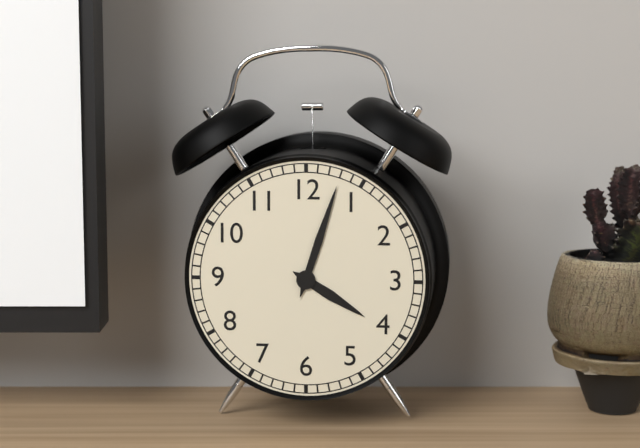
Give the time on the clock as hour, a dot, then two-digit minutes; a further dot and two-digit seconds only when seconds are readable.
4.03
